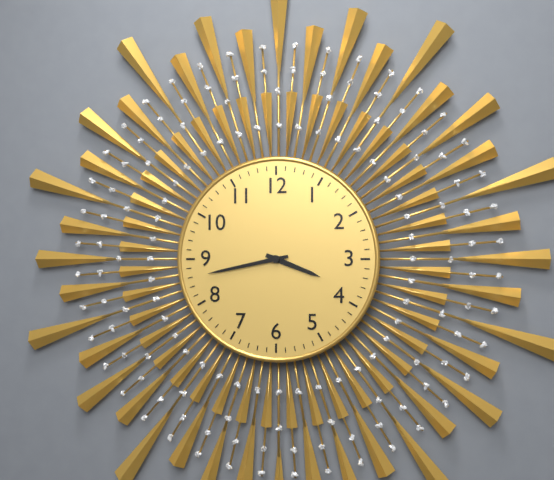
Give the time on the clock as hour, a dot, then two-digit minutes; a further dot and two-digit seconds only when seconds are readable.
3.43
